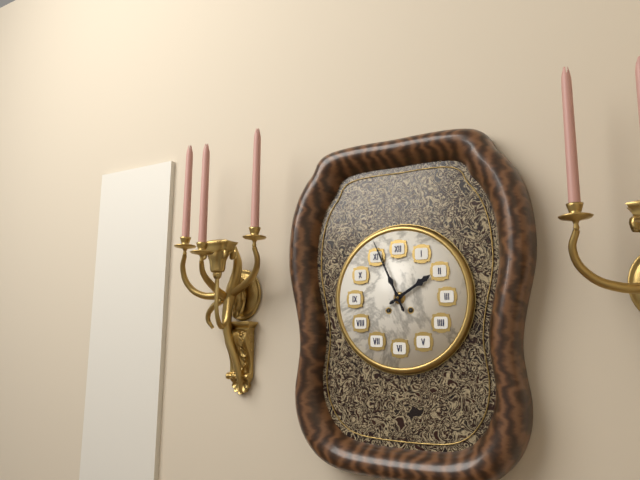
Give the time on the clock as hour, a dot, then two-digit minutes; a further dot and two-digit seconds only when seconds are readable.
1.56
